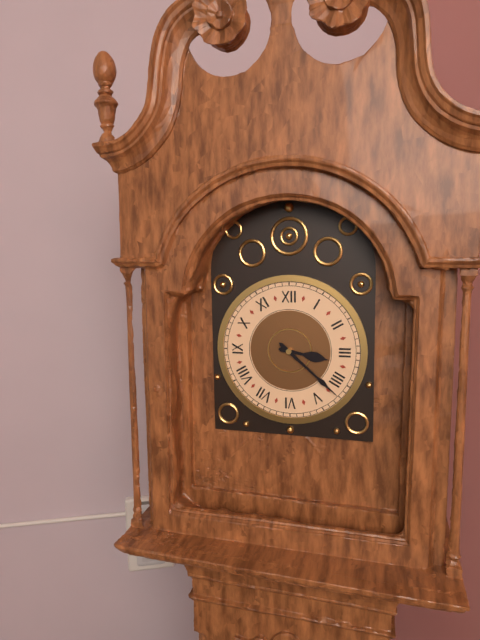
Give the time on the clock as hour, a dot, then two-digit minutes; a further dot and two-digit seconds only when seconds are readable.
3.22
